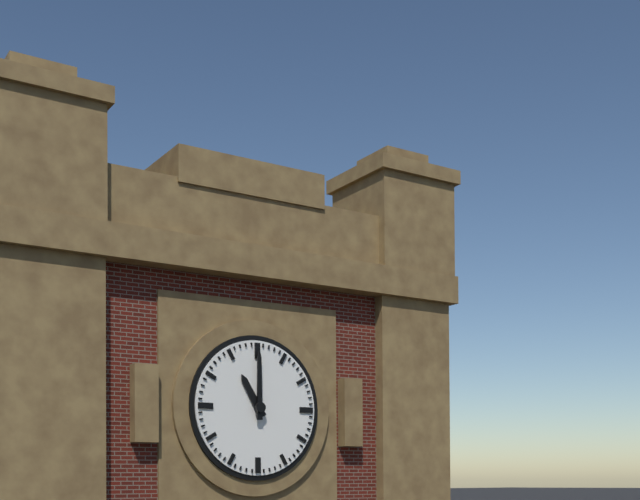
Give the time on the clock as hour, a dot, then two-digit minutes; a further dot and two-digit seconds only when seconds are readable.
11.00
